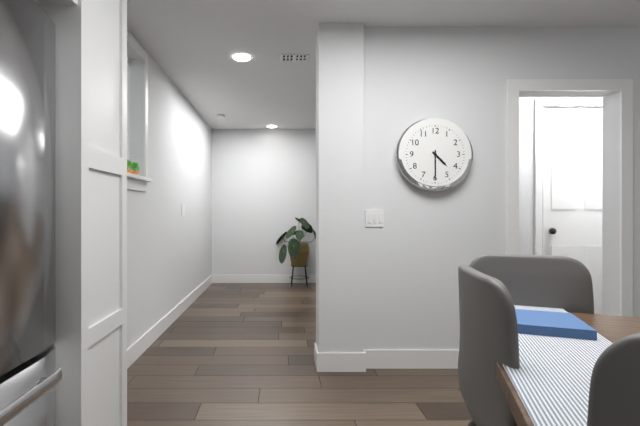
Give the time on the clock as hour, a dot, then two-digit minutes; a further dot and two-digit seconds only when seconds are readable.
4.30
